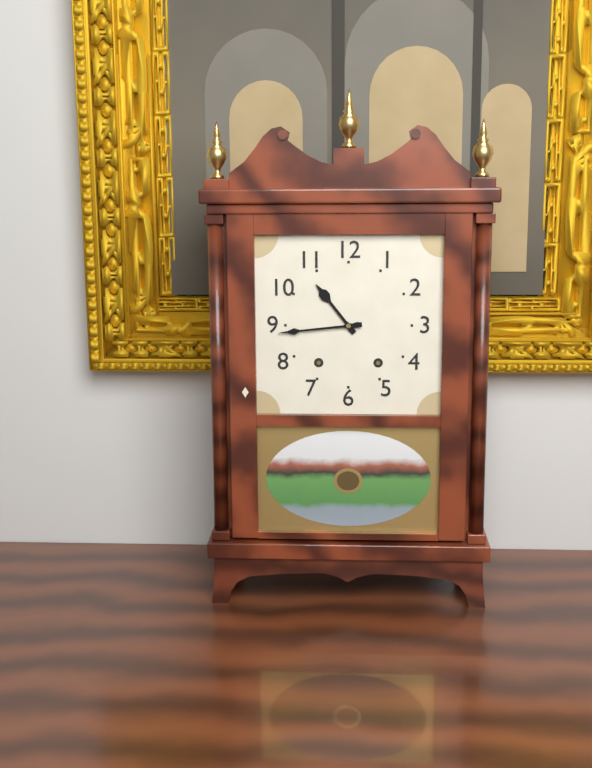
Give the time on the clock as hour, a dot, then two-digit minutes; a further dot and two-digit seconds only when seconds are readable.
10.44
